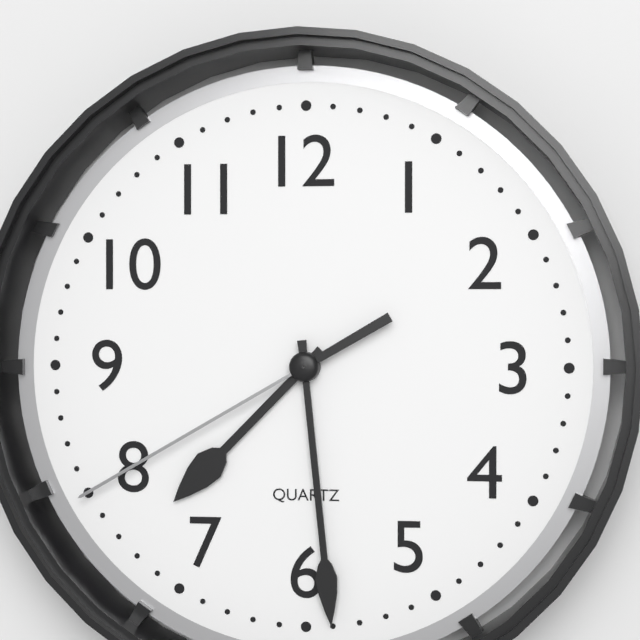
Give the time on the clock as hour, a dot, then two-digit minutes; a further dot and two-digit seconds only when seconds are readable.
7.29.40
